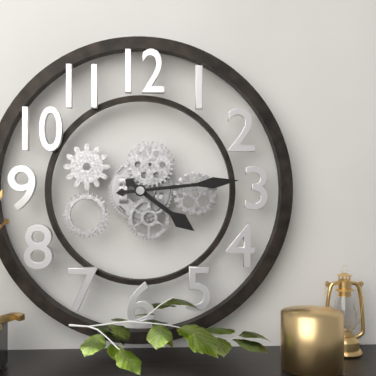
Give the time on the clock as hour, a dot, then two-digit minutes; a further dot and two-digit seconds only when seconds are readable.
4.14
